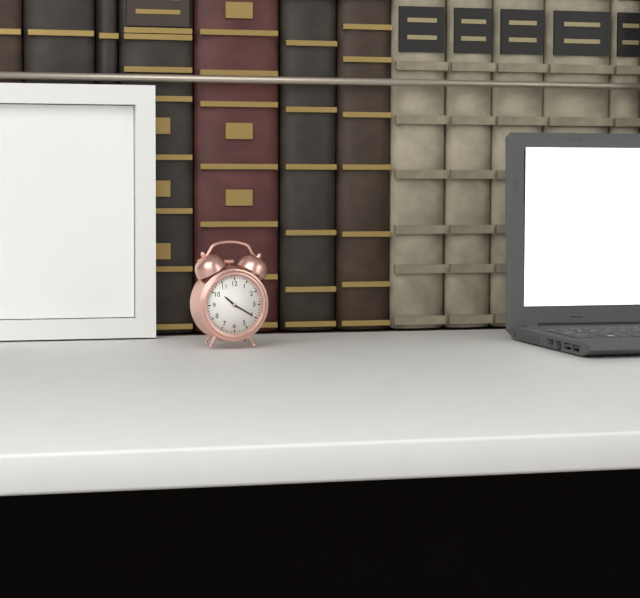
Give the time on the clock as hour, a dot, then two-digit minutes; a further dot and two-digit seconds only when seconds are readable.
10.20
